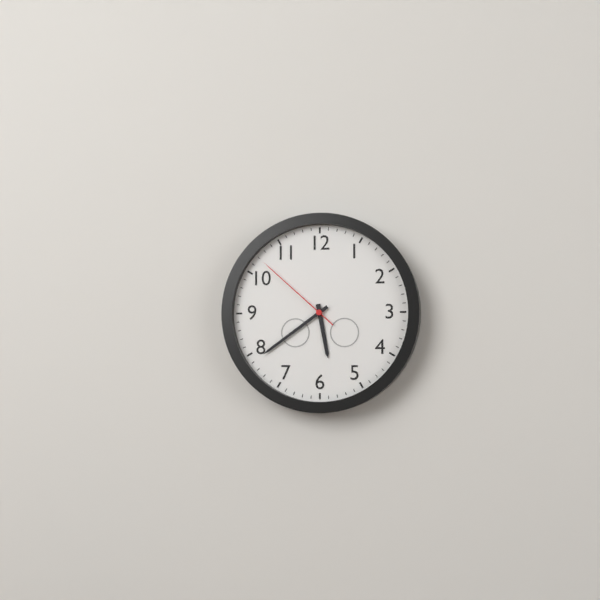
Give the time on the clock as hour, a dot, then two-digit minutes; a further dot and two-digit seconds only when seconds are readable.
5.39.52
